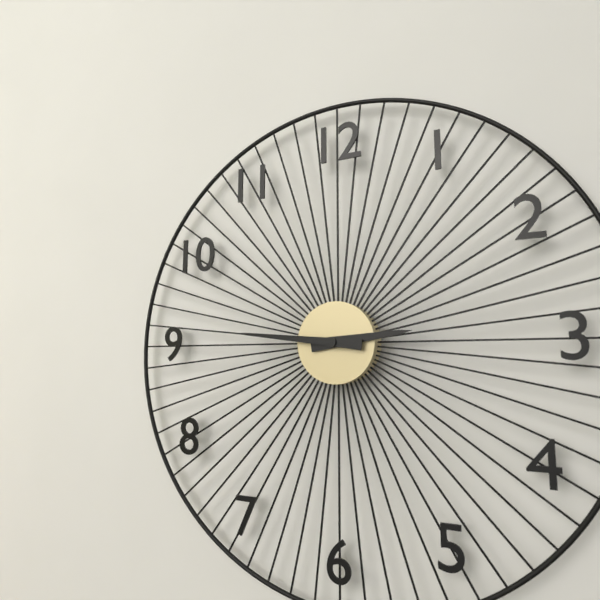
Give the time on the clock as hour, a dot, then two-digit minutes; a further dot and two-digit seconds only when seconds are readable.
2.46
